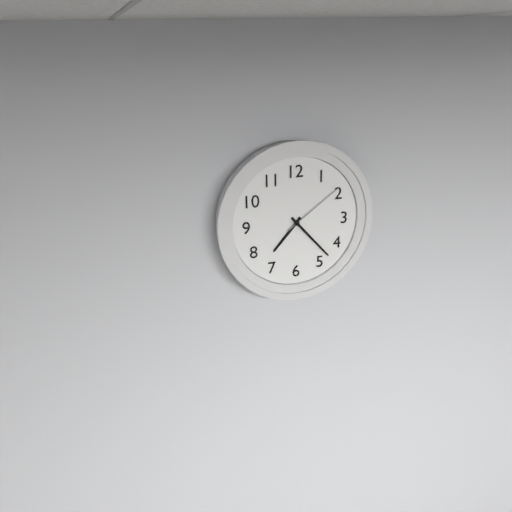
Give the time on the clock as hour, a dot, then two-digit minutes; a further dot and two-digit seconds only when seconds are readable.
7.23.09
